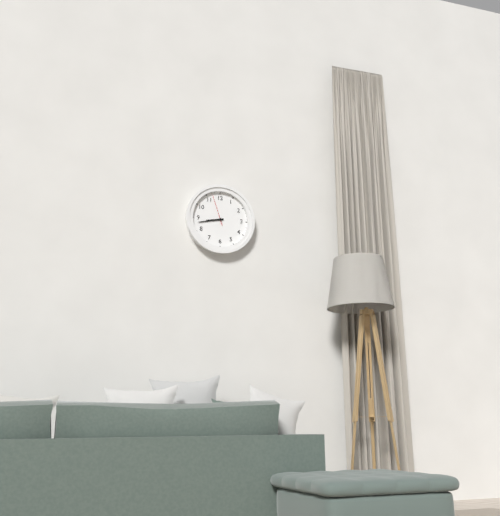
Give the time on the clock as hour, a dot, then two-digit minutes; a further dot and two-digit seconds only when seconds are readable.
8.43
